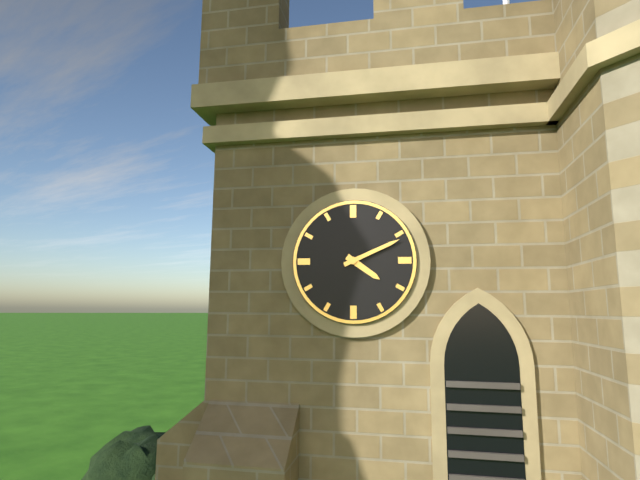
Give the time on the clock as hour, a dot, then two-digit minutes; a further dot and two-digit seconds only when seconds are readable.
4.11
